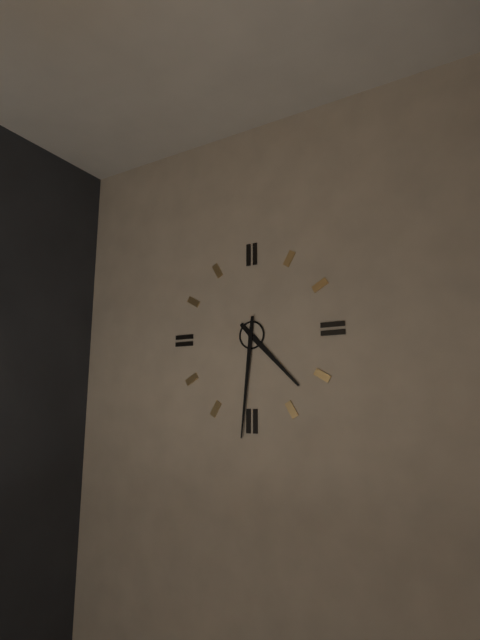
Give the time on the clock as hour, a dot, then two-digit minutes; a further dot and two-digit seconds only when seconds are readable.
4.31
